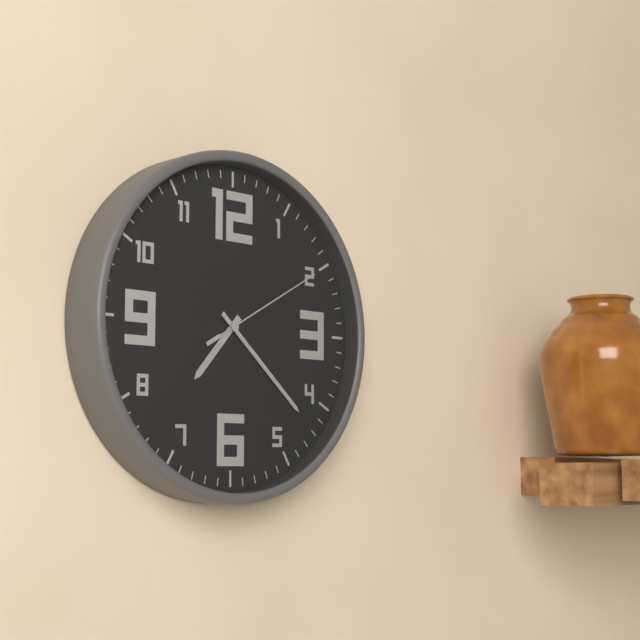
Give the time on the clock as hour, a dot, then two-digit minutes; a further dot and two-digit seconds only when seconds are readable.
7.22.10
